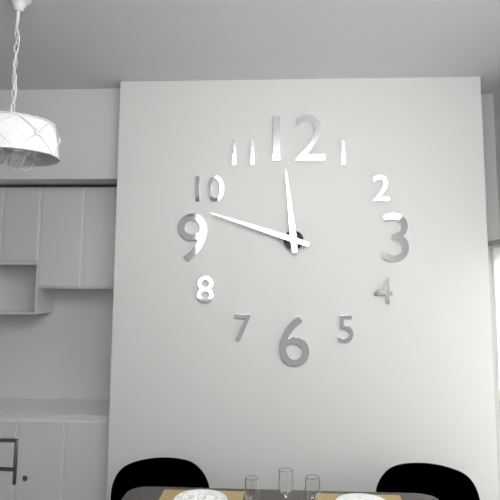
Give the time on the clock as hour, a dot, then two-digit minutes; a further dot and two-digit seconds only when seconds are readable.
11.48
